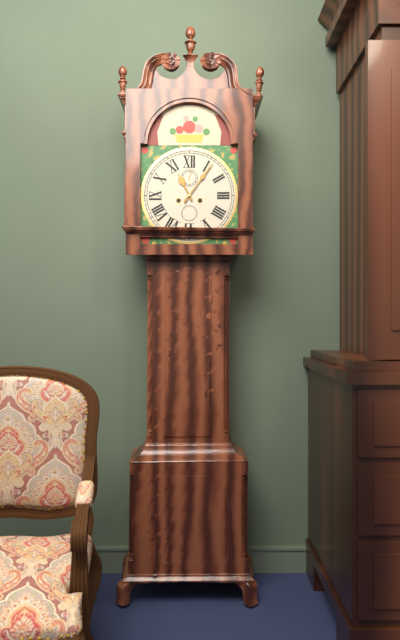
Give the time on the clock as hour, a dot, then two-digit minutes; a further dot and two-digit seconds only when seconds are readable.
11.06
